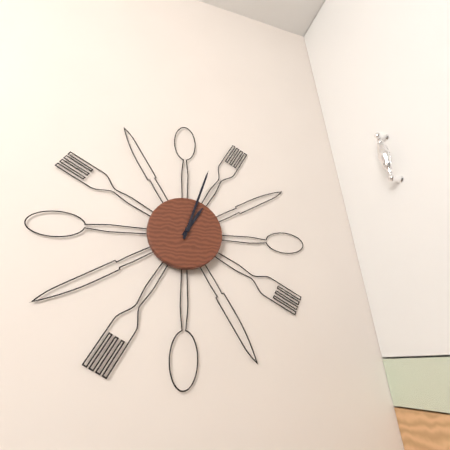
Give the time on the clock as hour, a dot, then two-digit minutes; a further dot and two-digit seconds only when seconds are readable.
1.03
